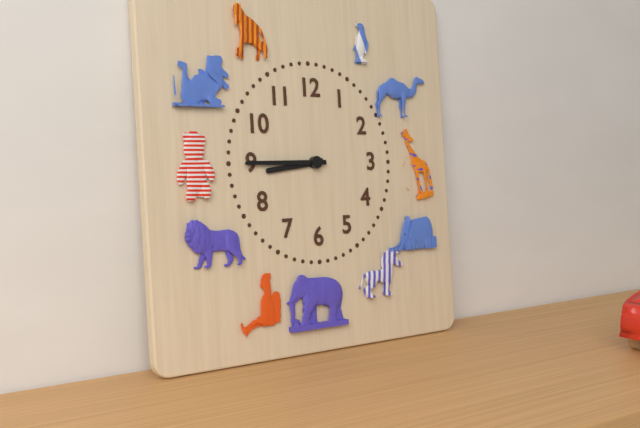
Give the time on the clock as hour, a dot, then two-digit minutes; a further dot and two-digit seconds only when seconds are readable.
8.45
